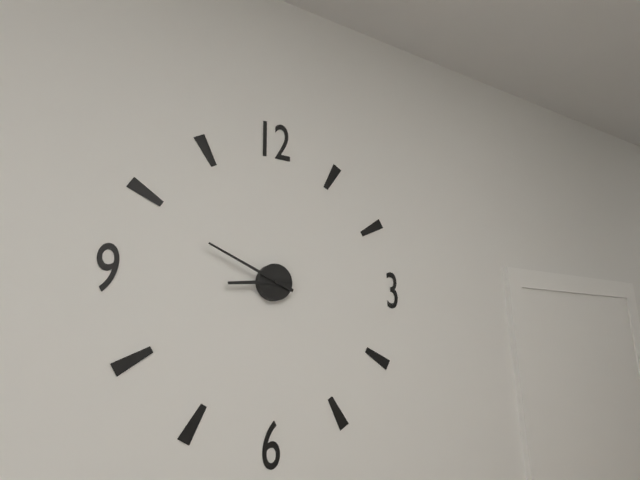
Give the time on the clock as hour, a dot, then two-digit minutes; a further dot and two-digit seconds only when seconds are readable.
8.49
